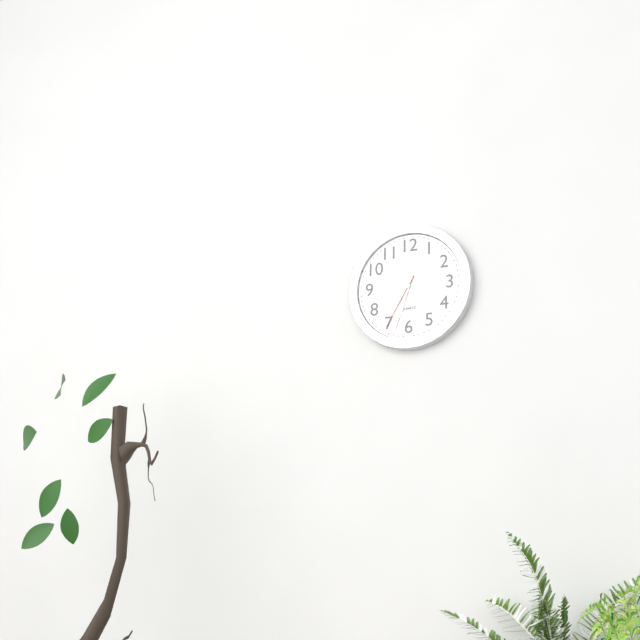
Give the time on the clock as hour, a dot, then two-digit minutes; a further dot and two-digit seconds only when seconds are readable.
6.33.35
